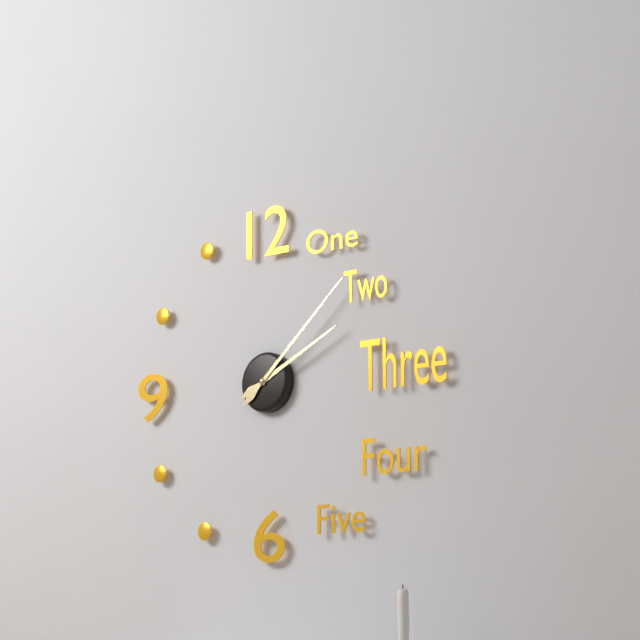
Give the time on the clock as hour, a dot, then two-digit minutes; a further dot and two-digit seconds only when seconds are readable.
2.08
